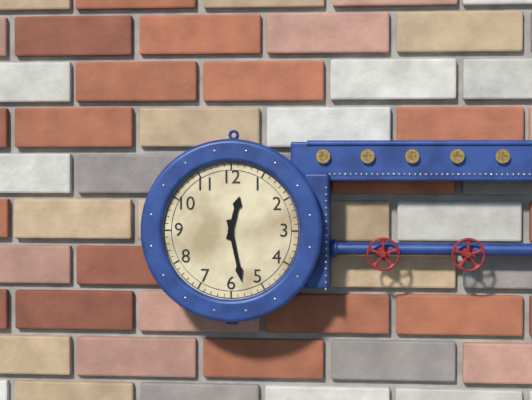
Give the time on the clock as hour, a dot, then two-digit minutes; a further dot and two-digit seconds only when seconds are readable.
12.28
